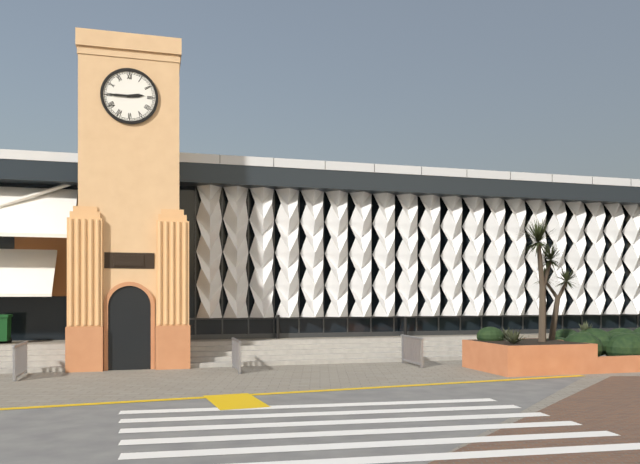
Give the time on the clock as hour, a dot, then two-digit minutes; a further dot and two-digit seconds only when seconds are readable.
2.45
